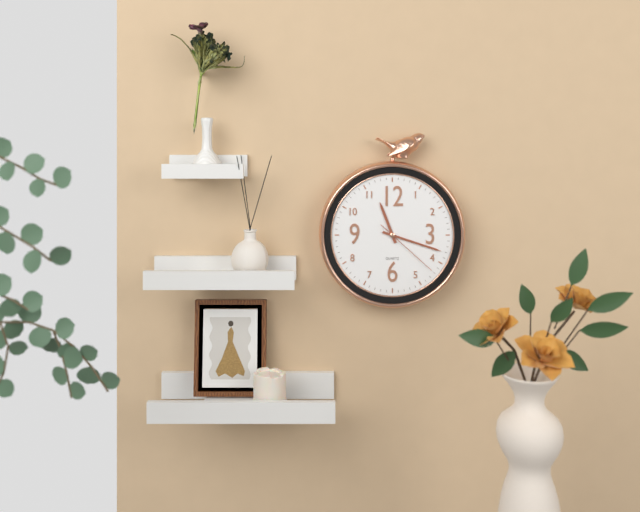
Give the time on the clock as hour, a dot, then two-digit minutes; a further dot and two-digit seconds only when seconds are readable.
11.18.22
